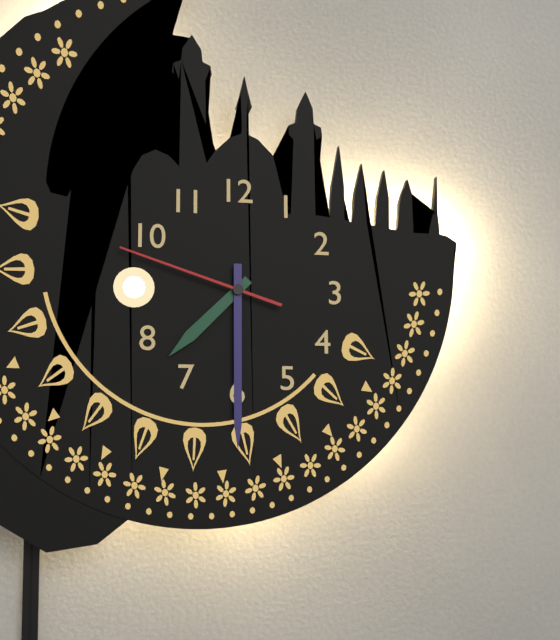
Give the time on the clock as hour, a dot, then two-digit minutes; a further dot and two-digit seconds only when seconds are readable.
7.30.48
